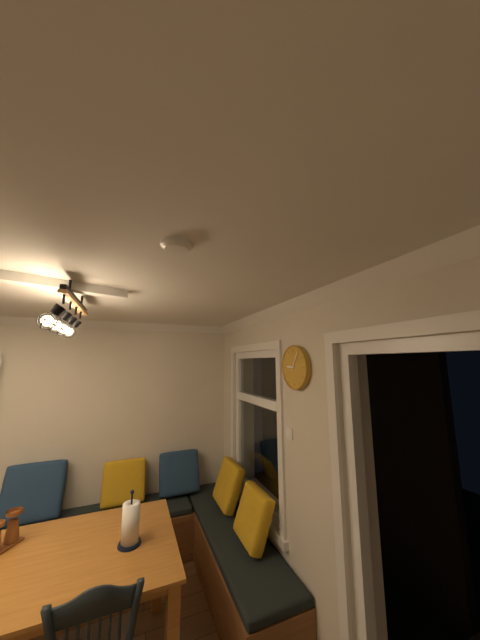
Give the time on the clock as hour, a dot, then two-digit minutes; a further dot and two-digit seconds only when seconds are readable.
9.05
